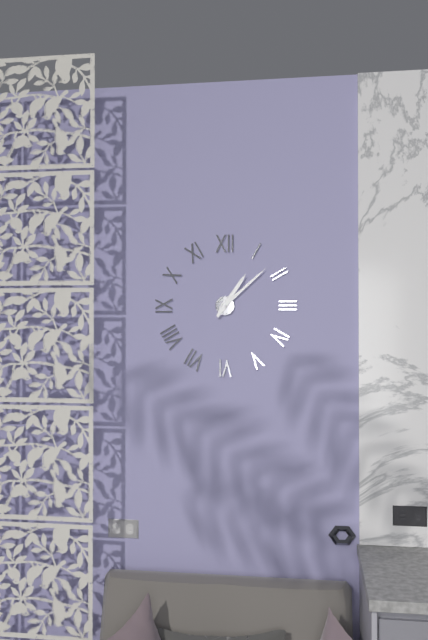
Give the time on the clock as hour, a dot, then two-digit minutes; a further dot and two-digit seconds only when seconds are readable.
1.08
